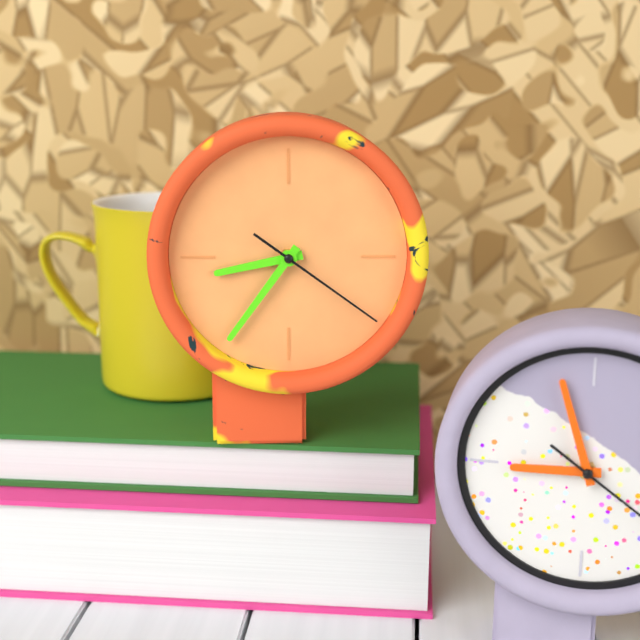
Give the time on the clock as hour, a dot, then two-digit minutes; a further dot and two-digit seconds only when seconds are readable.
8.36.21
